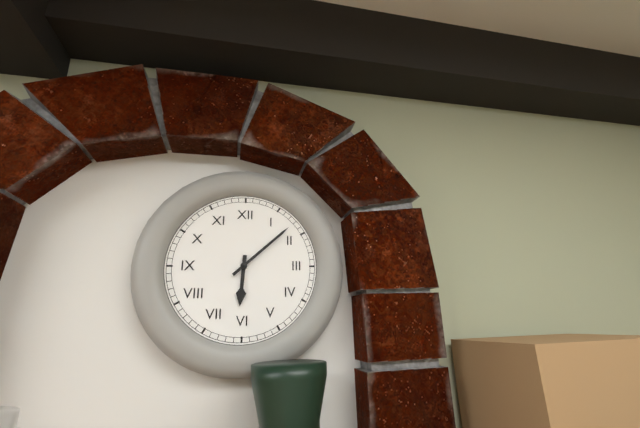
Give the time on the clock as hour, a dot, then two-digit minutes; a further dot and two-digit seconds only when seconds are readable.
6.08
